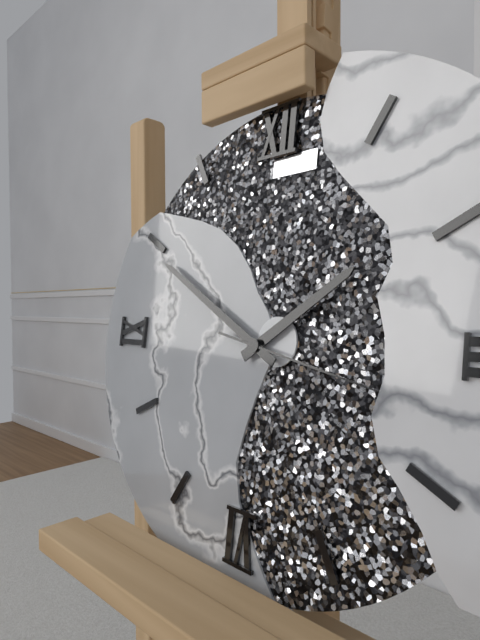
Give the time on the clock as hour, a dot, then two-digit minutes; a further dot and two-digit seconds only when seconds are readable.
1.50.17
